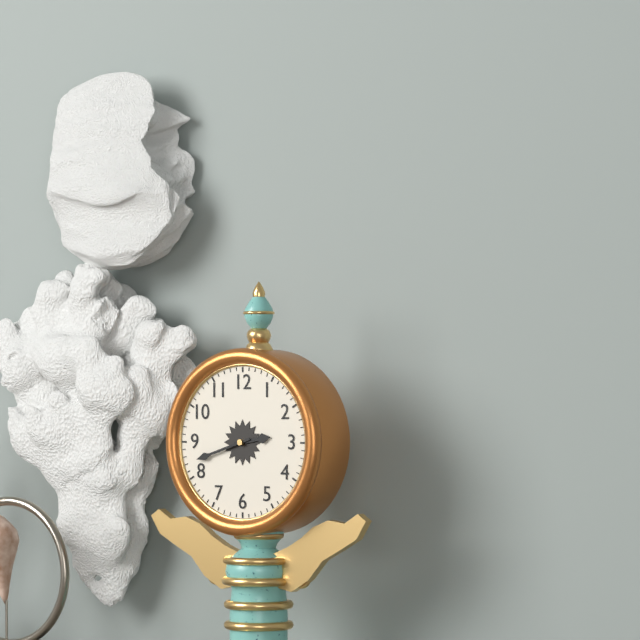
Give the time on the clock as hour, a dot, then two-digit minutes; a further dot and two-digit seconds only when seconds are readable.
2.42
